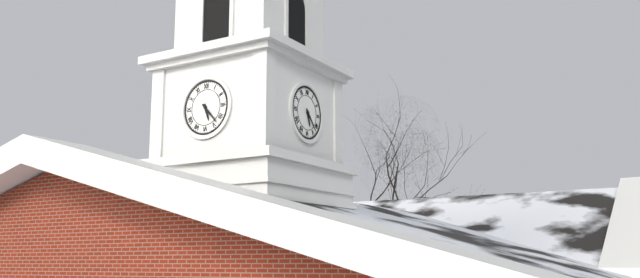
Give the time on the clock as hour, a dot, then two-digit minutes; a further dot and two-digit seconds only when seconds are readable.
5.23
